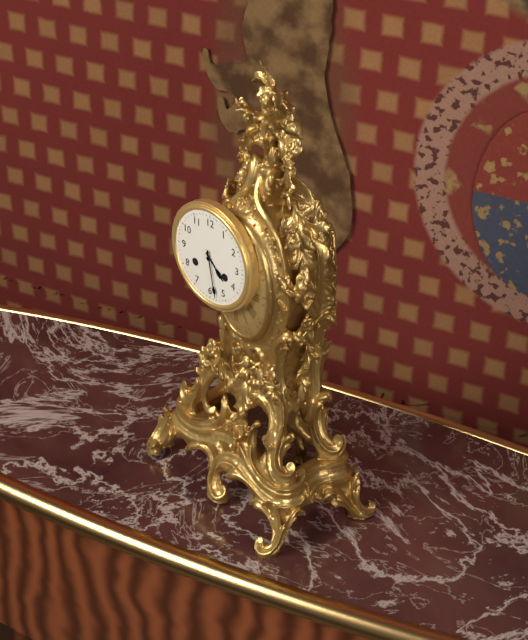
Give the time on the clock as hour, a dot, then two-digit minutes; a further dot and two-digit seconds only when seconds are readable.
4.28
